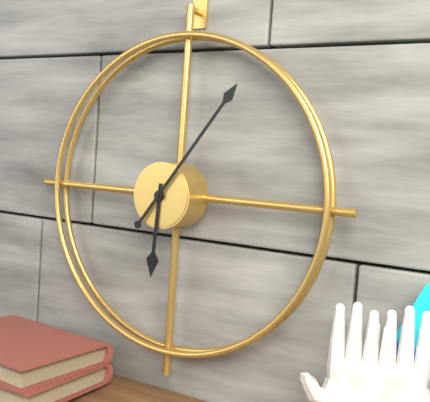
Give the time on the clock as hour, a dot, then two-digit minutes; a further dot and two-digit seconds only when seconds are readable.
6.06
